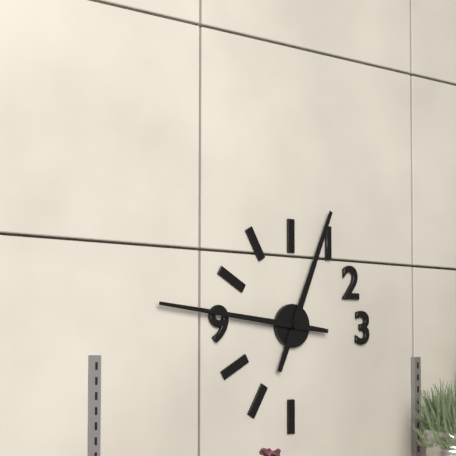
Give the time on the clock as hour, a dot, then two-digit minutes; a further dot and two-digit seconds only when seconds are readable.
12.46
